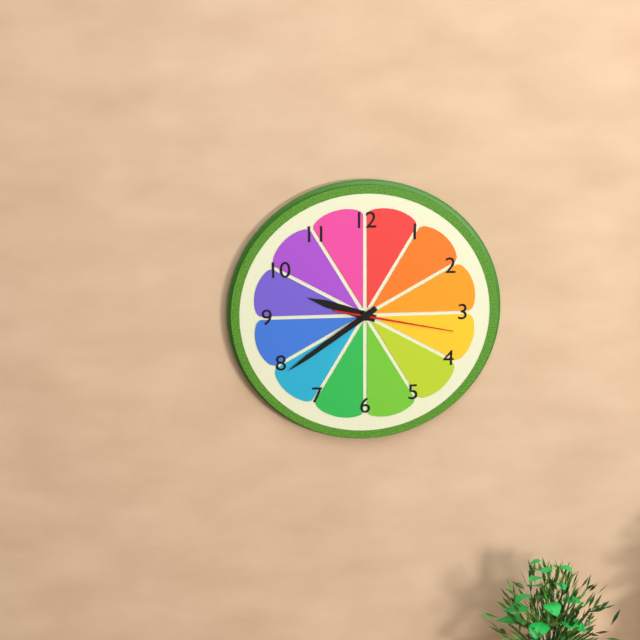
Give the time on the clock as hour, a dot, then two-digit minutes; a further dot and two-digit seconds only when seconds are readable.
9.39.17
